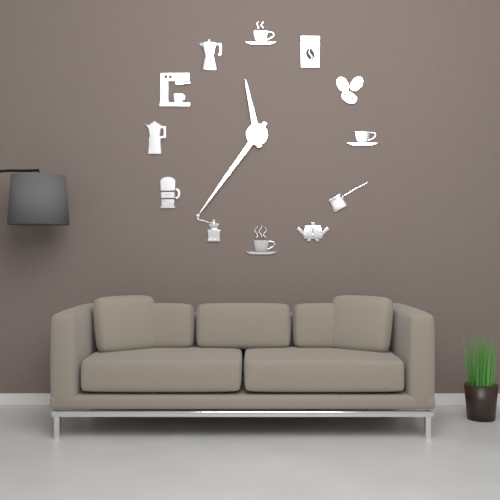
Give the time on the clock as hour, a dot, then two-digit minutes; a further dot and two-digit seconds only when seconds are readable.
11.36
